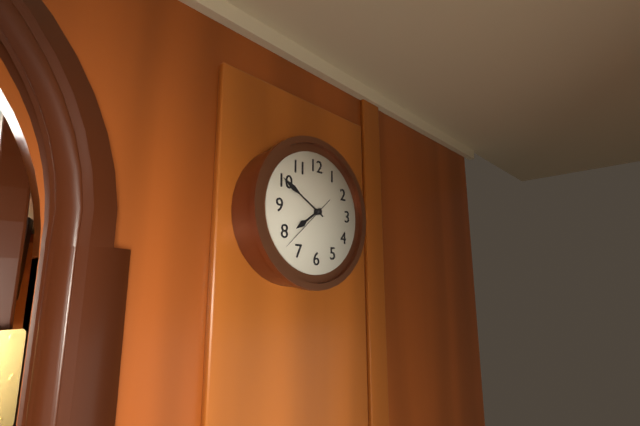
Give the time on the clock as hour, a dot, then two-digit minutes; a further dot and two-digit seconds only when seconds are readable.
7.50.38
